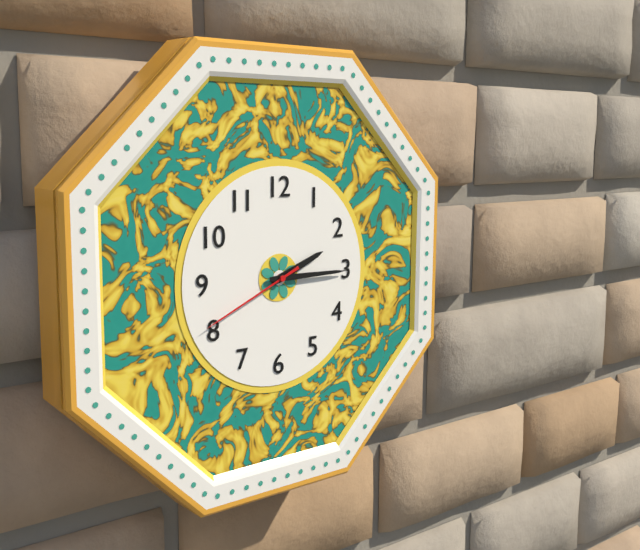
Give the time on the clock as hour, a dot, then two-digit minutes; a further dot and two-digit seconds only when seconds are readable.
2.15.41
